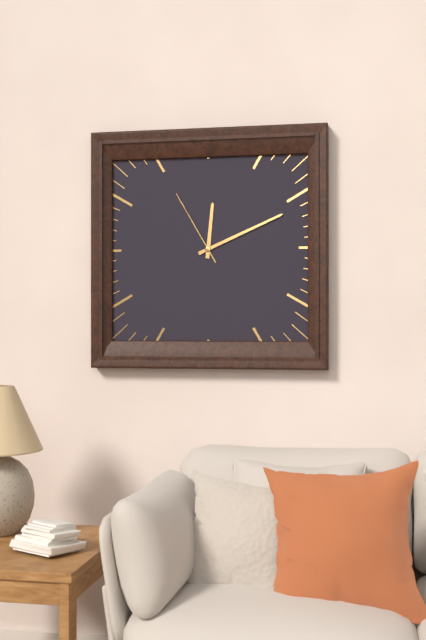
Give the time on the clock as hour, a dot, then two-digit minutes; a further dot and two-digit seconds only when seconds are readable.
12.11.55
